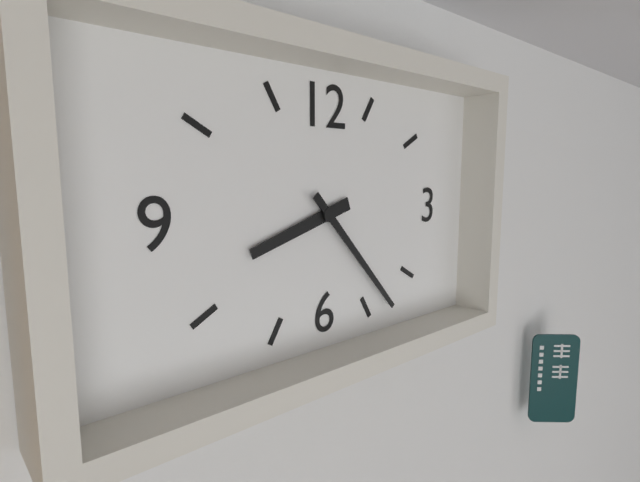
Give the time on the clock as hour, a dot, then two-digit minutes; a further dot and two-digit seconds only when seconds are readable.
8.23
